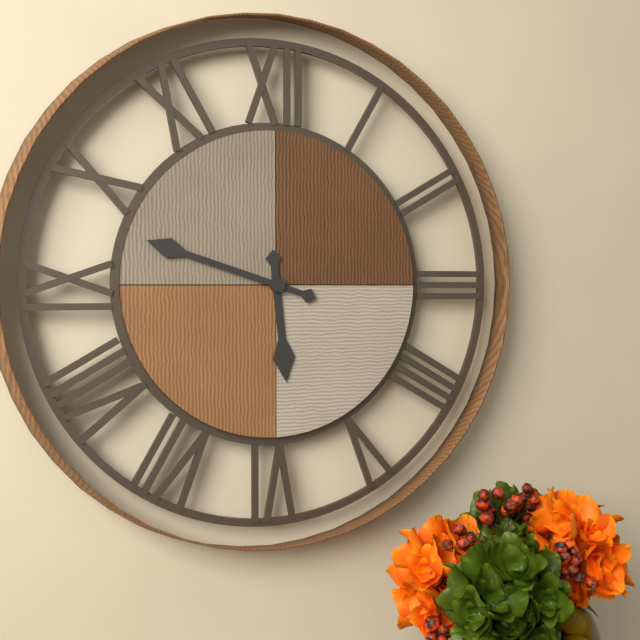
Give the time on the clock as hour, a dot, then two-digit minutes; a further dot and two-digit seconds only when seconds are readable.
5.48
